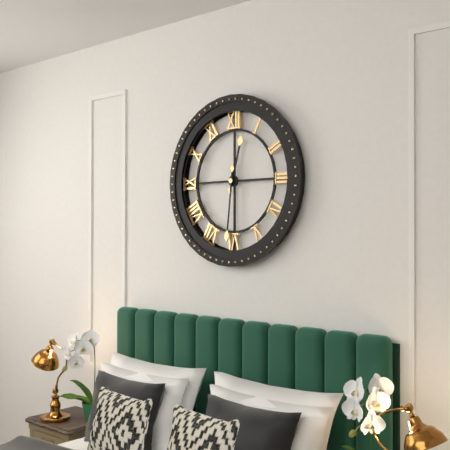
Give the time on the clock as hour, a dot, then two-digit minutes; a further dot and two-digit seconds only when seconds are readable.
12.31
